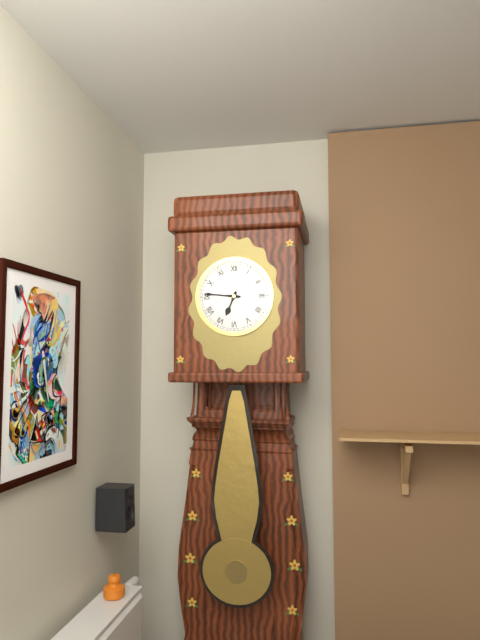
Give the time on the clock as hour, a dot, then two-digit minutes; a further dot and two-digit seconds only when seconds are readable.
6.46
